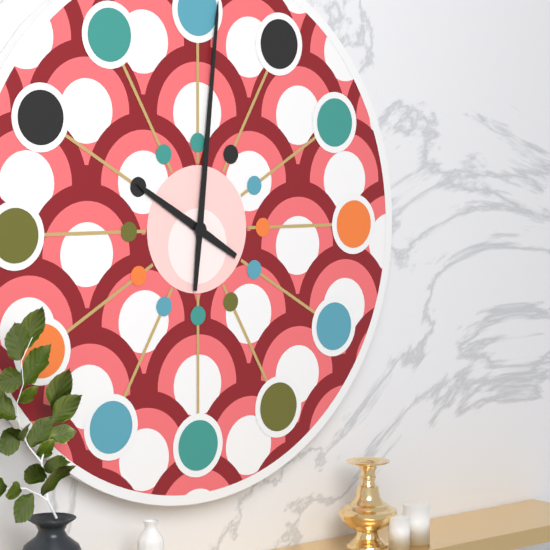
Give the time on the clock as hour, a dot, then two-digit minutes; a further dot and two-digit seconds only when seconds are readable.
10.01
